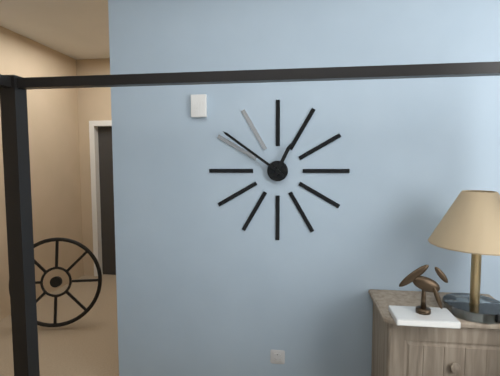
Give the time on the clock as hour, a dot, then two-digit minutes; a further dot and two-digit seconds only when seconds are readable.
12.51
